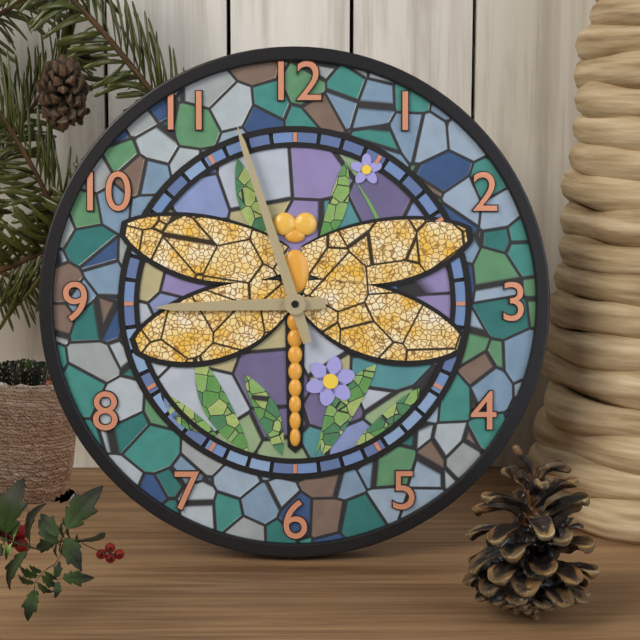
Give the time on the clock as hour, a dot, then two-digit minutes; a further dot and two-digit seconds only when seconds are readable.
8.57
